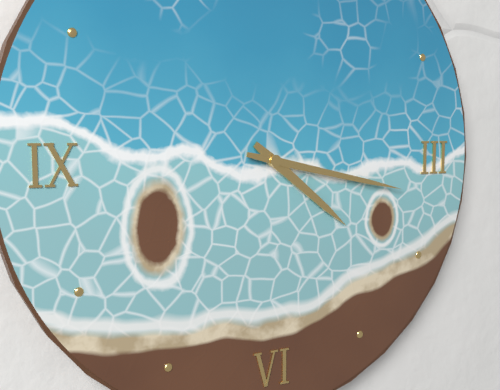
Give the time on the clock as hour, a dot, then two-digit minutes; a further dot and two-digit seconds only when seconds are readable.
4.17
